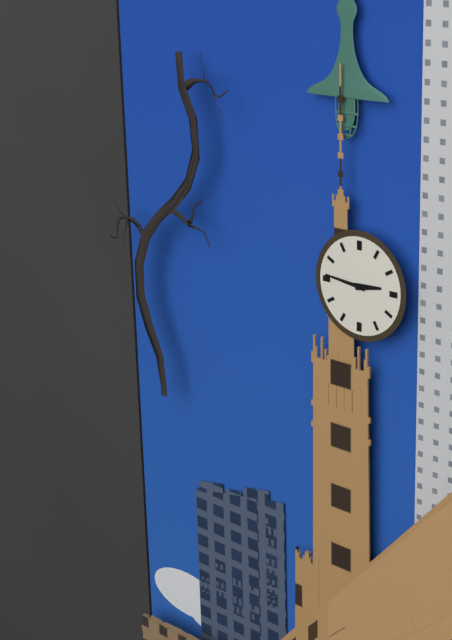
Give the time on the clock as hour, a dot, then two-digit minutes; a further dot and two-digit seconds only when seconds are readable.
2.46
